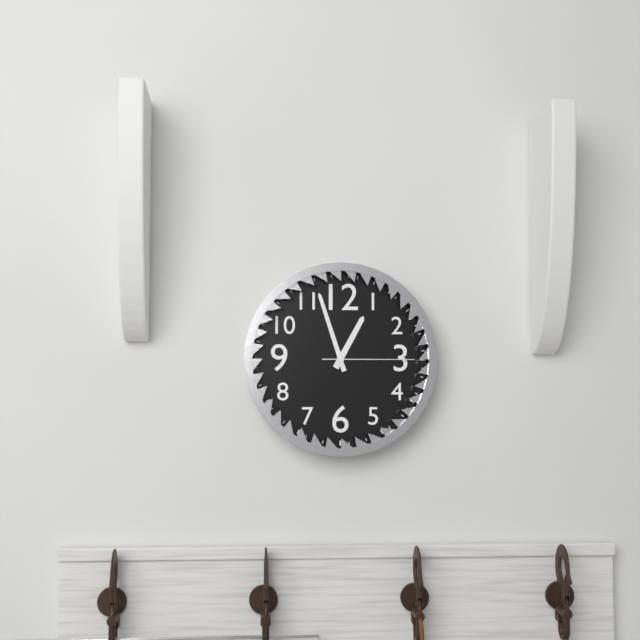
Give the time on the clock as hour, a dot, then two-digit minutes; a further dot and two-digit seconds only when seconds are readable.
12.57.15
